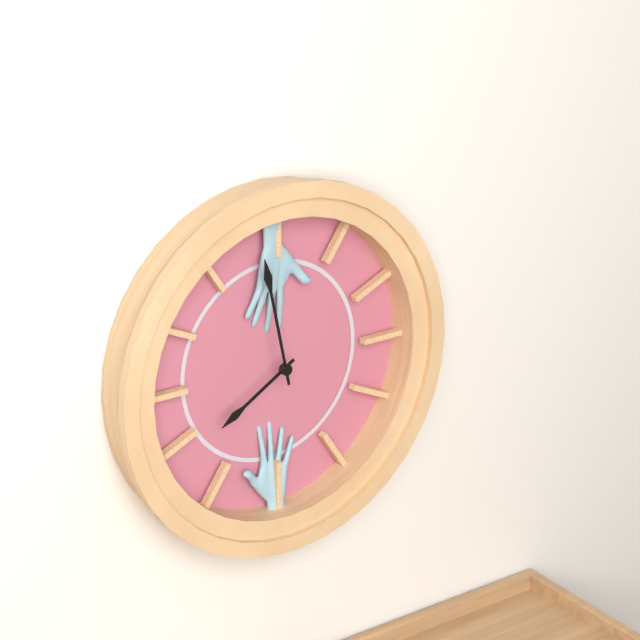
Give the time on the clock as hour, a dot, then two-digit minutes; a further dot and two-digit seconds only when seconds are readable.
7.58
